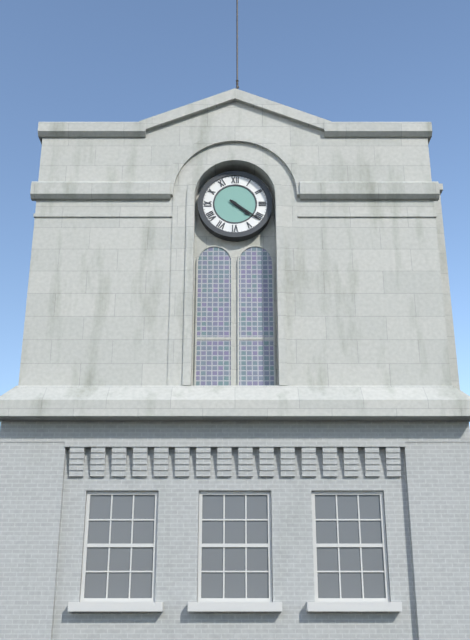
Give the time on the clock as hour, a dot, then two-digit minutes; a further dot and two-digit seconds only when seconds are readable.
4.21
